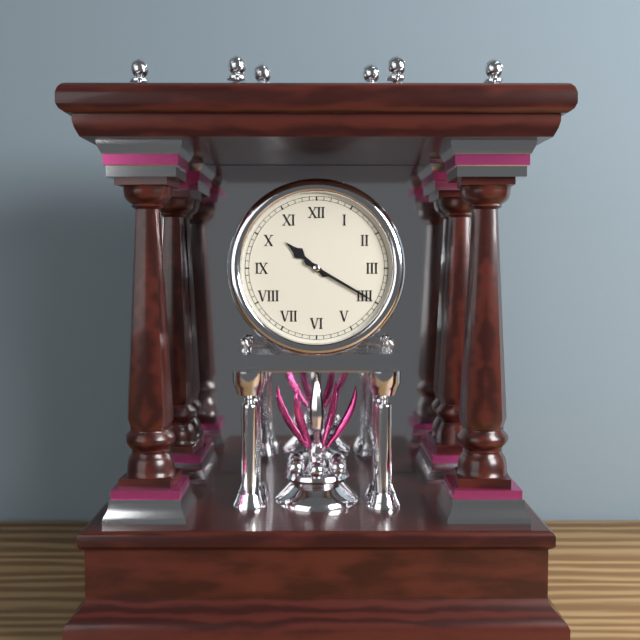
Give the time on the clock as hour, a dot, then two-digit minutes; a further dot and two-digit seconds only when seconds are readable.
10.20
